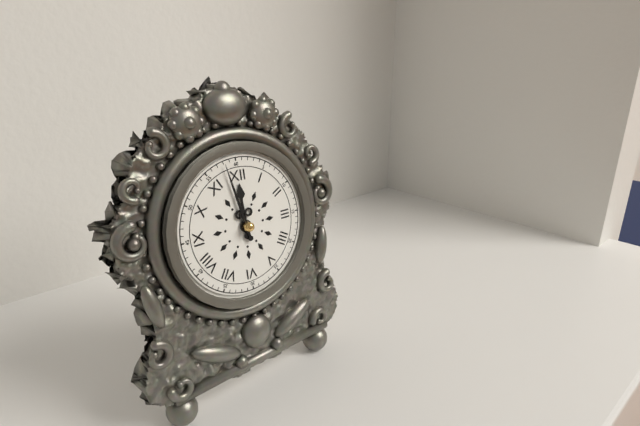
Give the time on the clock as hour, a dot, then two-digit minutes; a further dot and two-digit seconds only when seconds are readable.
11.58
